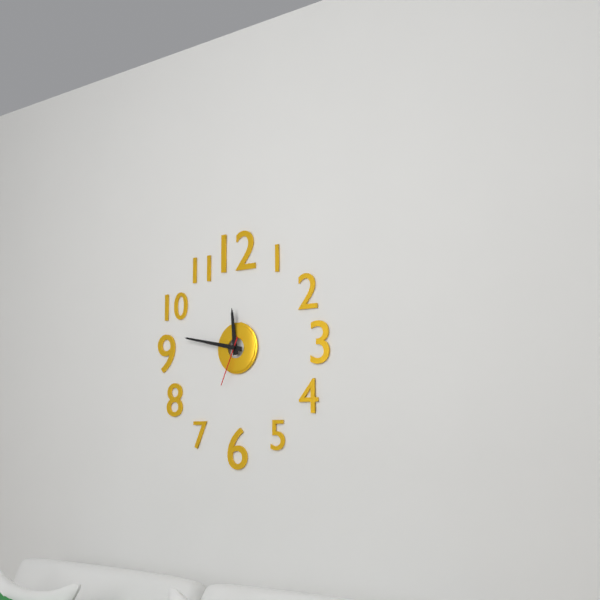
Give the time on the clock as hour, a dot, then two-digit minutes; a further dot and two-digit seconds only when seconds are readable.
11.47.34
